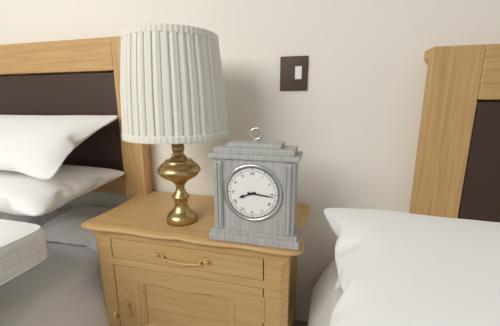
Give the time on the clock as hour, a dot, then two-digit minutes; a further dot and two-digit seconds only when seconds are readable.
8.16
